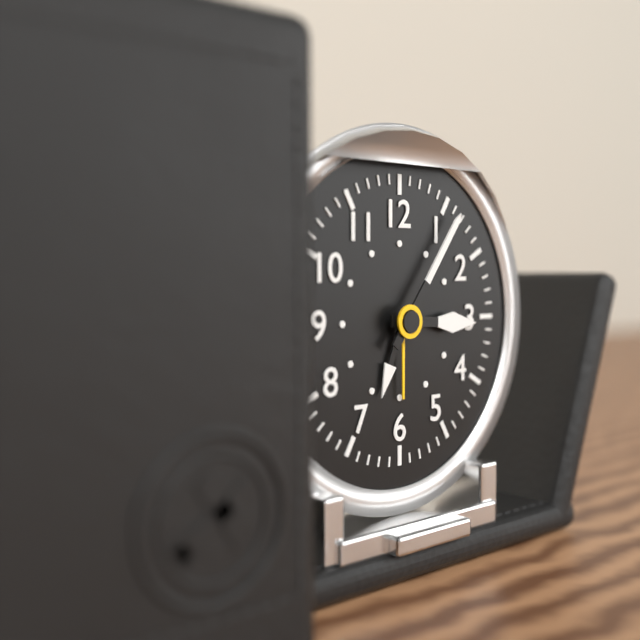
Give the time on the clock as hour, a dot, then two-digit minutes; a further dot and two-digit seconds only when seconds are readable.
3.06
